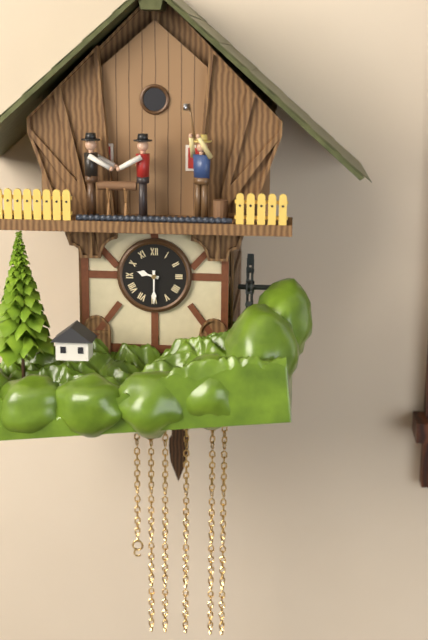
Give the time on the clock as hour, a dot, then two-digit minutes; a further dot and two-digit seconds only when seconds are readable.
9.30
